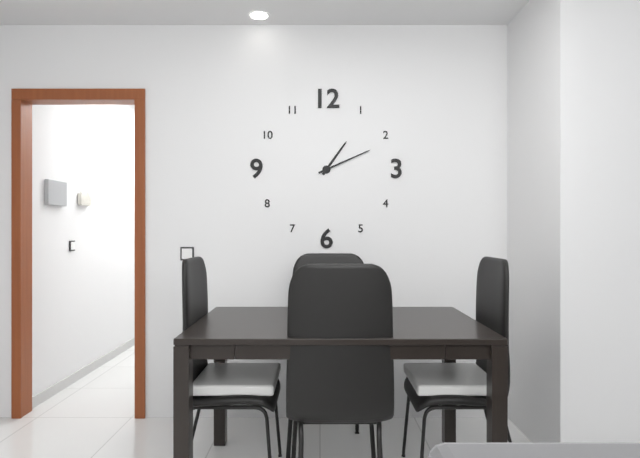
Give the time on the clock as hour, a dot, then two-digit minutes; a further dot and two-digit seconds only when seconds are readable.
1.11
